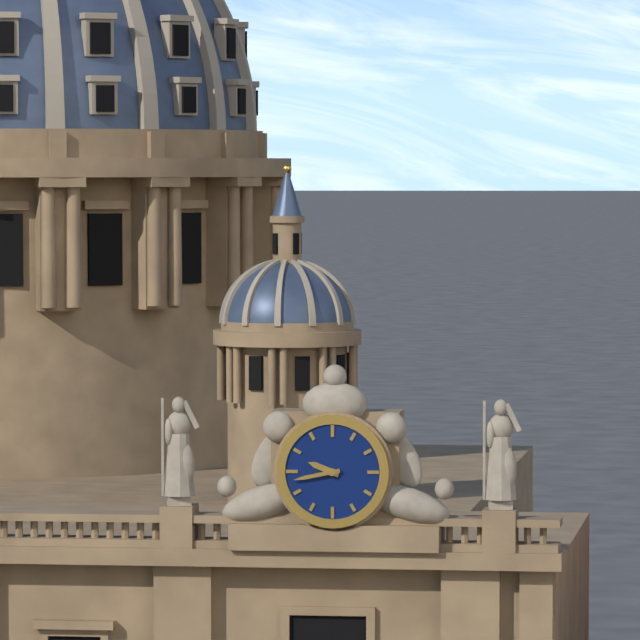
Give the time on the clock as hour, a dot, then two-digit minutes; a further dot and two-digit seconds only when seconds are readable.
9.43
